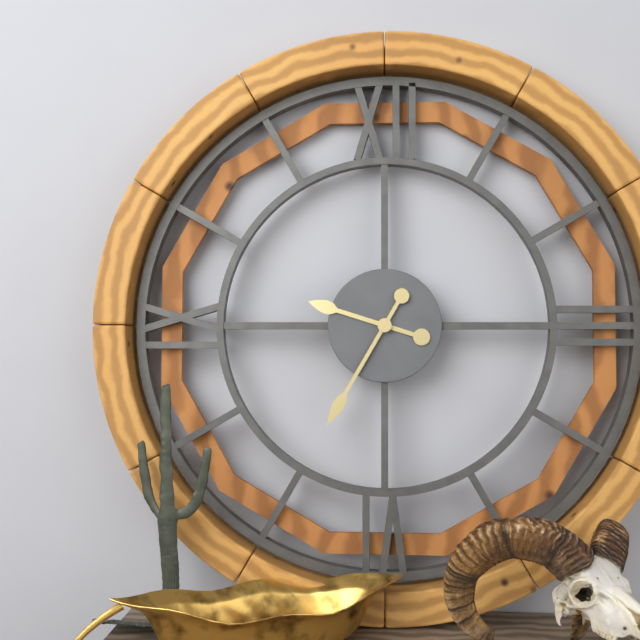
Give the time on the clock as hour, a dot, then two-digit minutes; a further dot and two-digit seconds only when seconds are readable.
9.35
